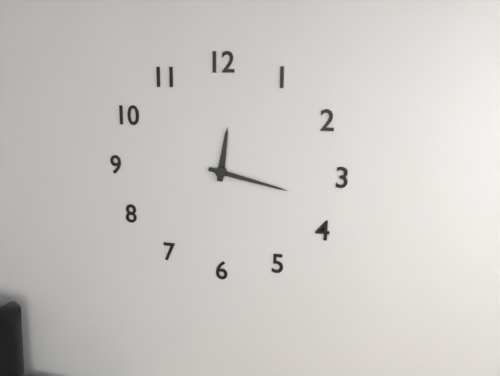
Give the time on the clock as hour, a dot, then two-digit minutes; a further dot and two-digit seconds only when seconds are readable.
12.17
